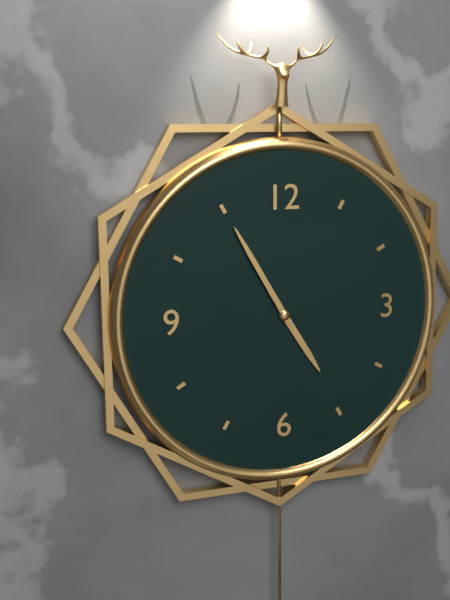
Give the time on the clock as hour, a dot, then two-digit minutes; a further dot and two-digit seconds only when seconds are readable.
4.55
